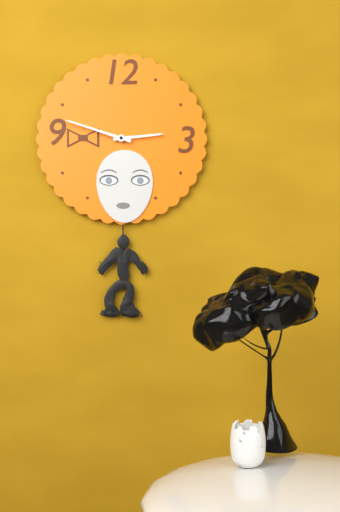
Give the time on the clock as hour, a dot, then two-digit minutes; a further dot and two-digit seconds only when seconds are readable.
2.48
